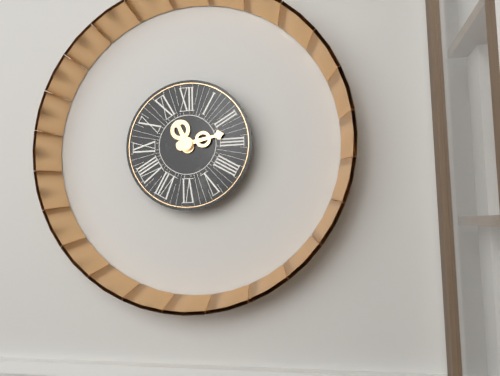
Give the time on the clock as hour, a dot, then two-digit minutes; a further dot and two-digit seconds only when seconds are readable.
11.13
